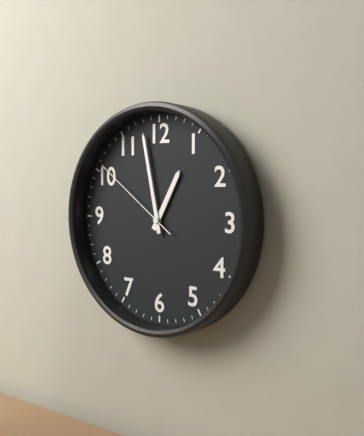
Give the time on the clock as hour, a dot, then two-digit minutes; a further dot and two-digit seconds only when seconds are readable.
12.58.51
